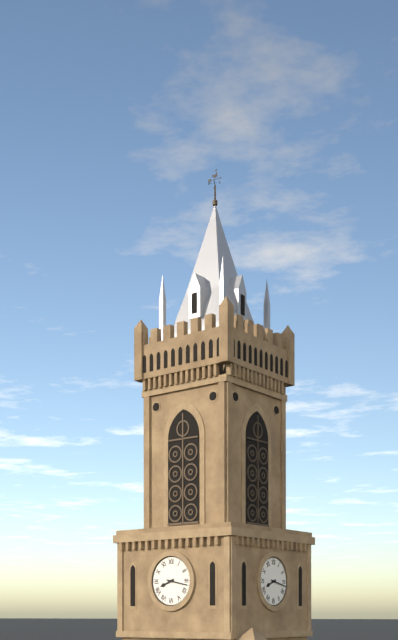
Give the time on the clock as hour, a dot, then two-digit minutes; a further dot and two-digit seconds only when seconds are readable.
8.17
